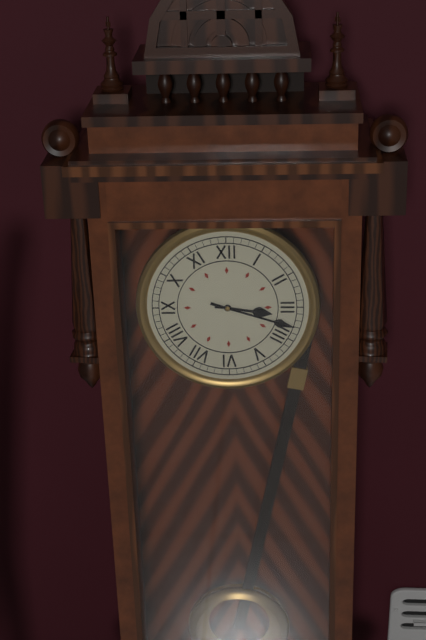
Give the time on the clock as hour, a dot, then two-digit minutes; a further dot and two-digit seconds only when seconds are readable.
3.18
